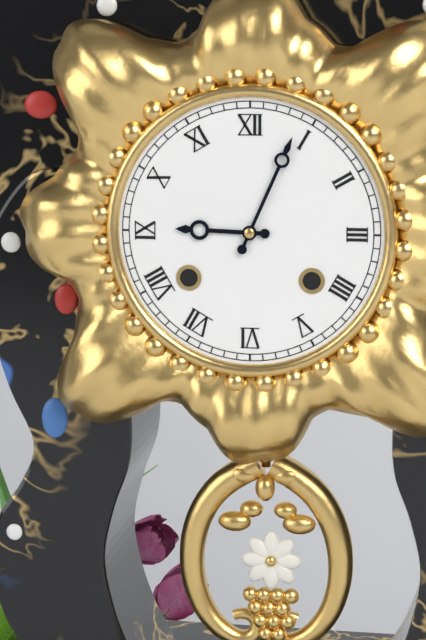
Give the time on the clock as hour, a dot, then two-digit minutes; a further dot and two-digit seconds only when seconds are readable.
9.04
